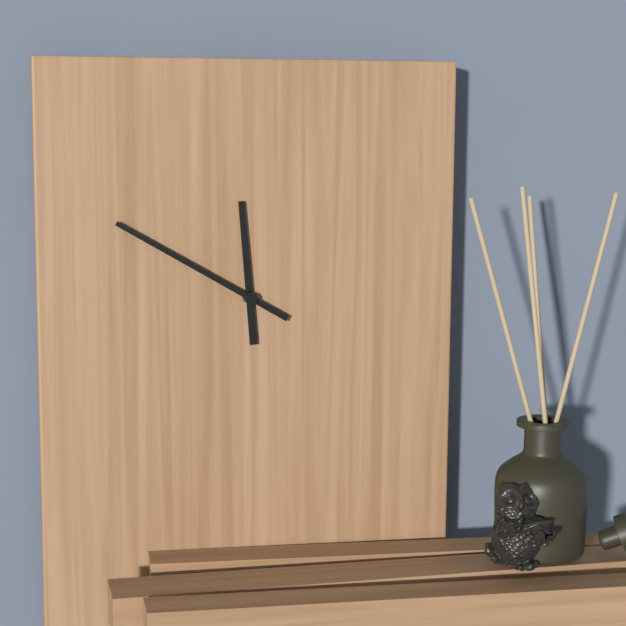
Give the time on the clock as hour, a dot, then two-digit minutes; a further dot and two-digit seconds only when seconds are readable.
11.50
